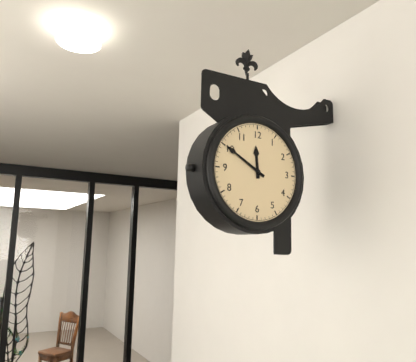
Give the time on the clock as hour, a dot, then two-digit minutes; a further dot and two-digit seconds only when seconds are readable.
11.50
